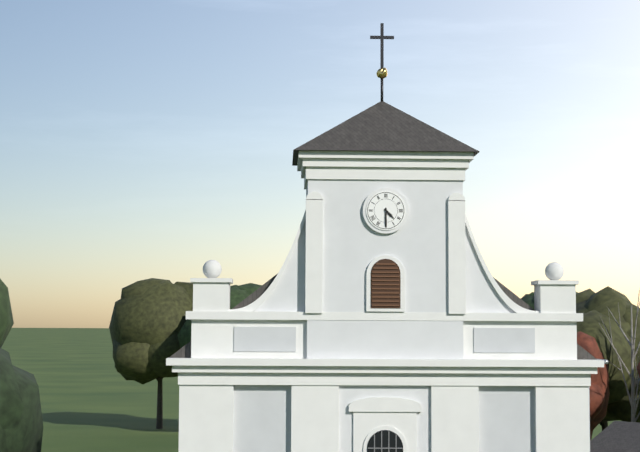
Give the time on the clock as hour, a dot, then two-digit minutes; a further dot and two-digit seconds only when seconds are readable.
4.30
